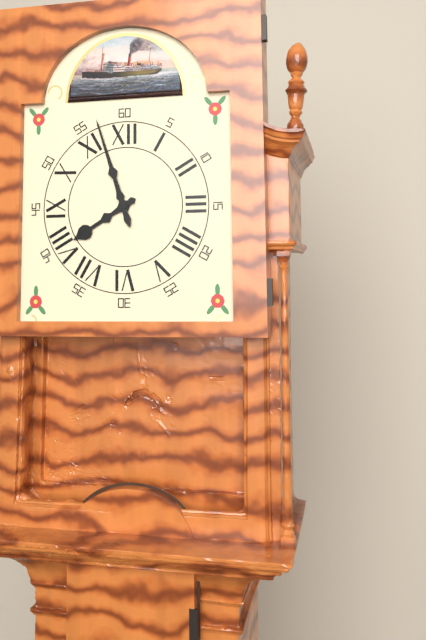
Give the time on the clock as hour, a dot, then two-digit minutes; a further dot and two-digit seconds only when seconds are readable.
7.57
